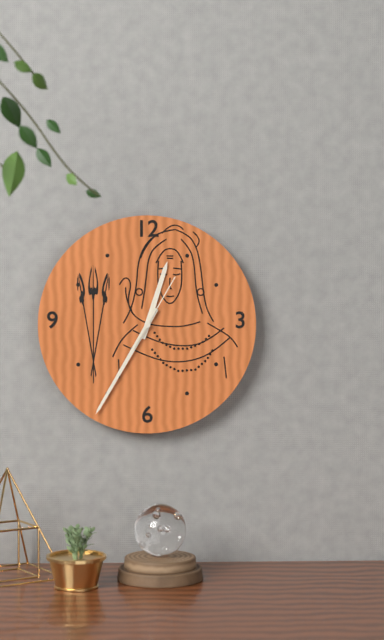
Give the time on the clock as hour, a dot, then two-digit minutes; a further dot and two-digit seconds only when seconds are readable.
12.35.05
